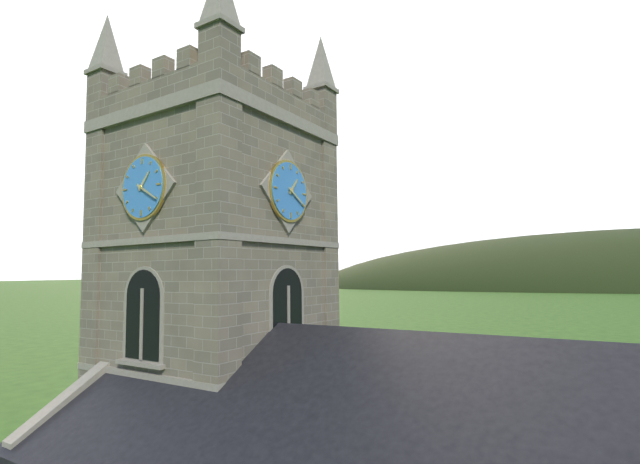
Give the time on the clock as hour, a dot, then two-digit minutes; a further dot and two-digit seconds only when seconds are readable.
1.20
